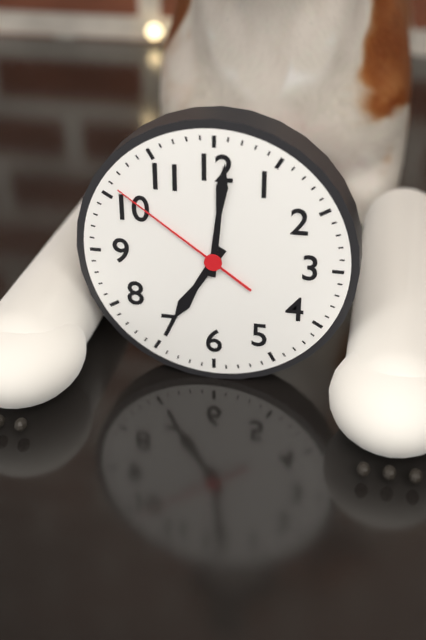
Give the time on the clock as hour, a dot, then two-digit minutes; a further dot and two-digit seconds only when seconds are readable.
7.01.51
